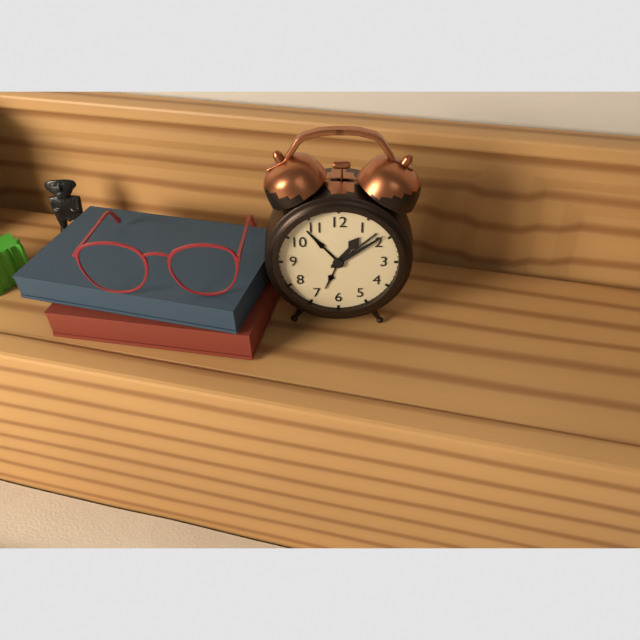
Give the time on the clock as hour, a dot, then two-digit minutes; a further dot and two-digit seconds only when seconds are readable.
1.09
